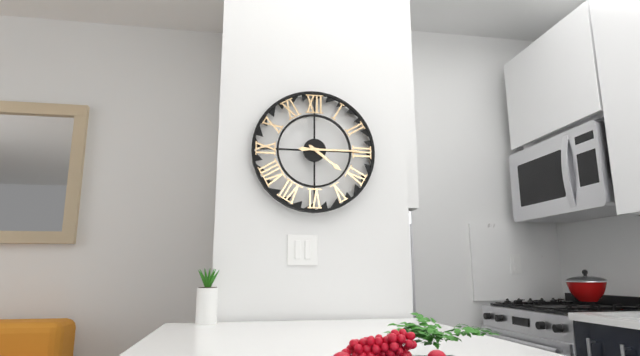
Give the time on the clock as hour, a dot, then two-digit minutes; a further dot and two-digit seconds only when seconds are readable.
4.15
